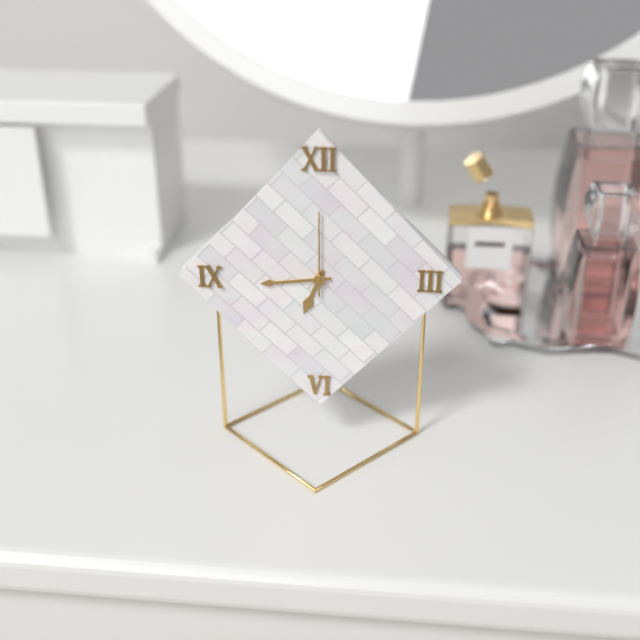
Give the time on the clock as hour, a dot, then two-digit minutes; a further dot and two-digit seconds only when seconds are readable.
6.44.00
